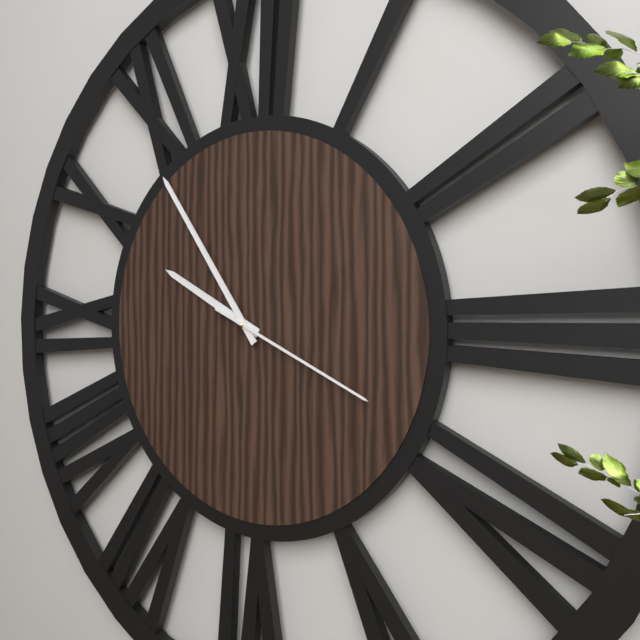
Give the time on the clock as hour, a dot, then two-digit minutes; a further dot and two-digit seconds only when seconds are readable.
9.54.19
